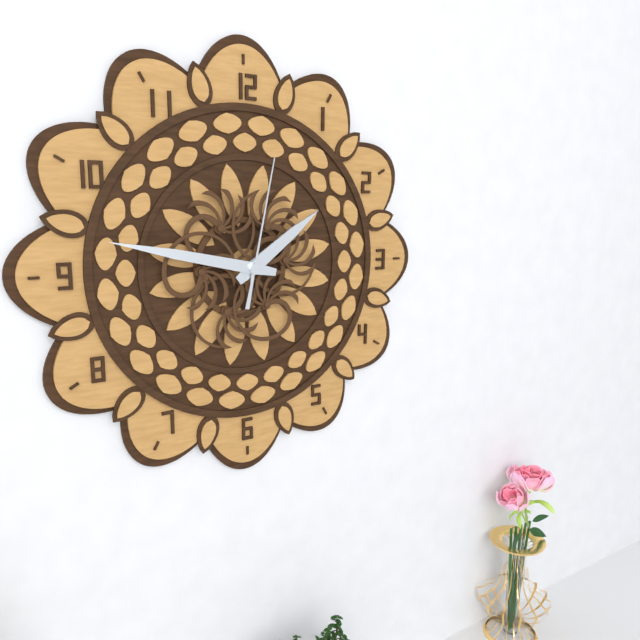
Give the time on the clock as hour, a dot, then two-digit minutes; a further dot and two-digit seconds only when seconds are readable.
1.47.02
